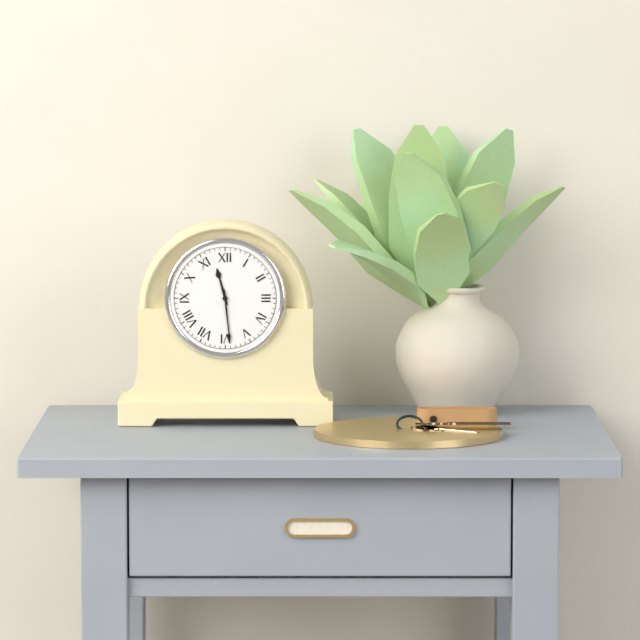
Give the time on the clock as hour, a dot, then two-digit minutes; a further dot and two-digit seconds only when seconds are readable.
11.29
